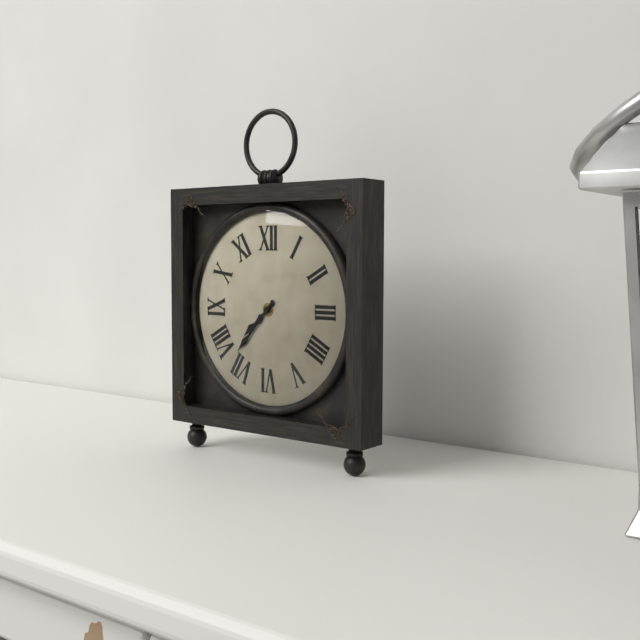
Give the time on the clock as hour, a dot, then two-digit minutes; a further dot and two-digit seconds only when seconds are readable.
7.37
